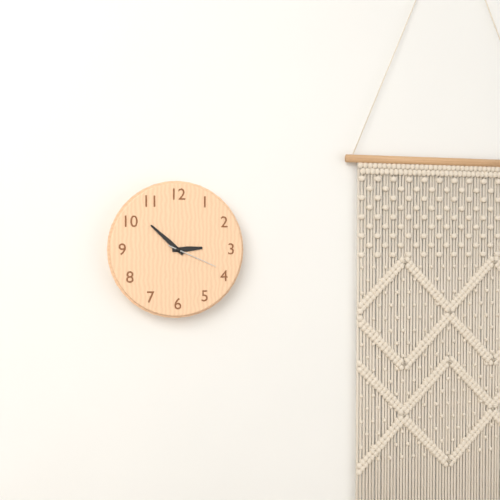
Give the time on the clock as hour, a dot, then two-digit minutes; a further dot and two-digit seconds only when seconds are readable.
2.52.19
